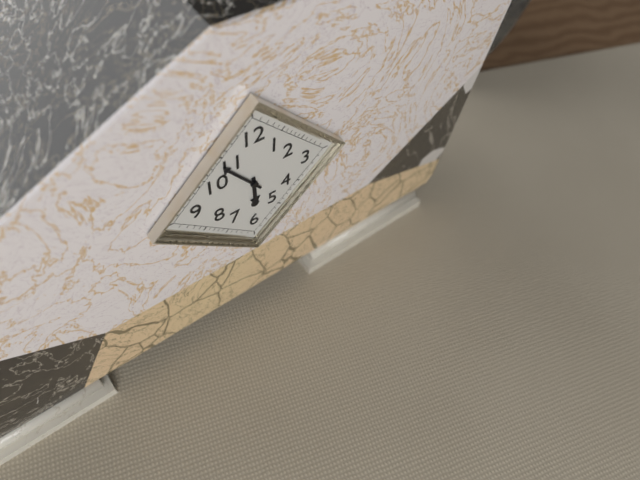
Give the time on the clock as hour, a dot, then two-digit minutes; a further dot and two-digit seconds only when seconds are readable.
5.54
